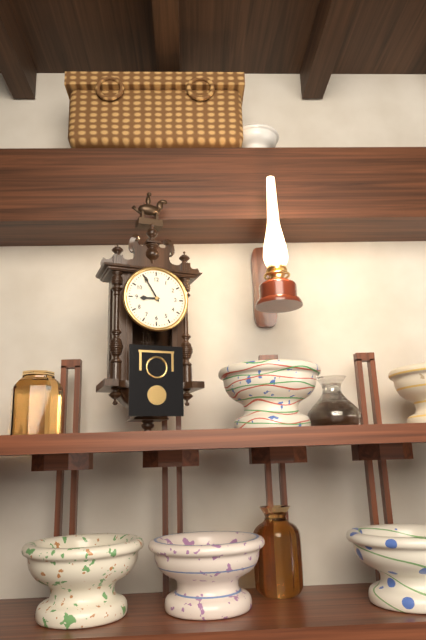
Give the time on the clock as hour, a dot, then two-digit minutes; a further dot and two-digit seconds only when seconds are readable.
8.55
